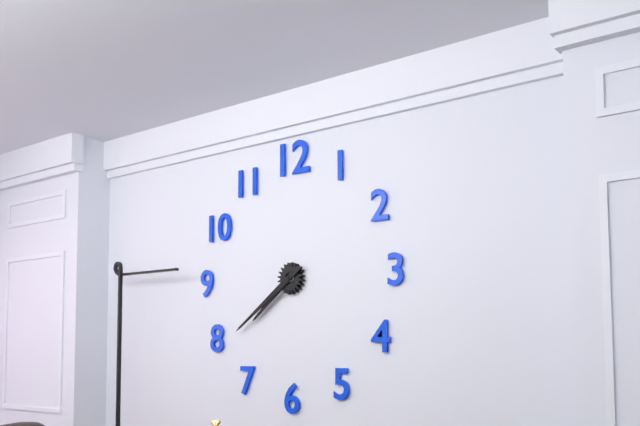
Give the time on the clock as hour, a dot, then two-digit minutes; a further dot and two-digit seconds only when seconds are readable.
7.39
